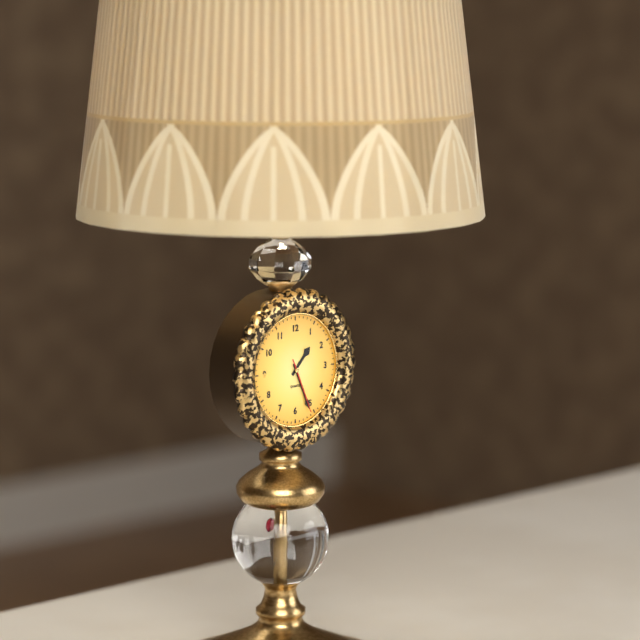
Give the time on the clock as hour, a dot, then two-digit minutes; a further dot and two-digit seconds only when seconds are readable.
1.26.26
